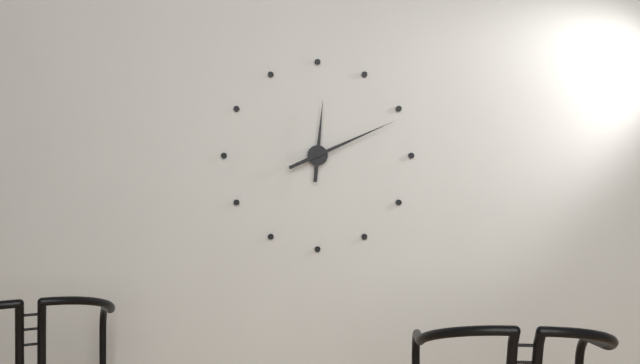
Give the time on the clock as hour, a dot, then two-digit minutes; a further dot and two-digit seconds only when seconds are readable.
12.11
